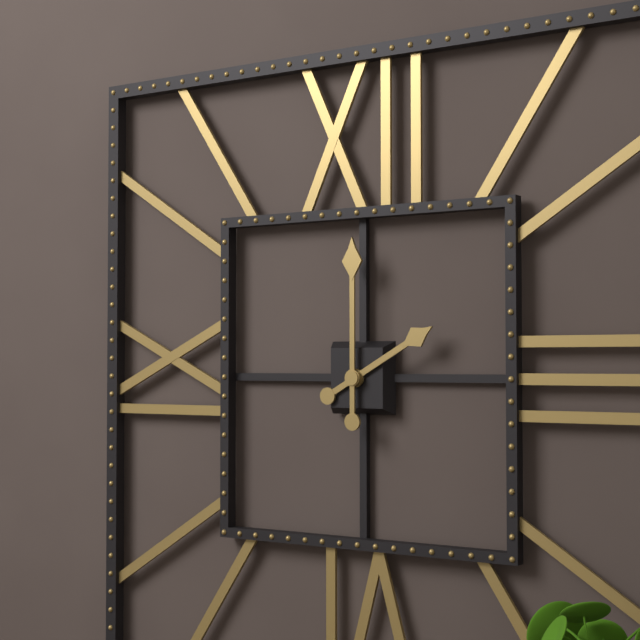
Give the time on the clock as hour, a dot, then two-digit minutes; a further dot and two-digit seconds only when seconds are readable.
2.00
